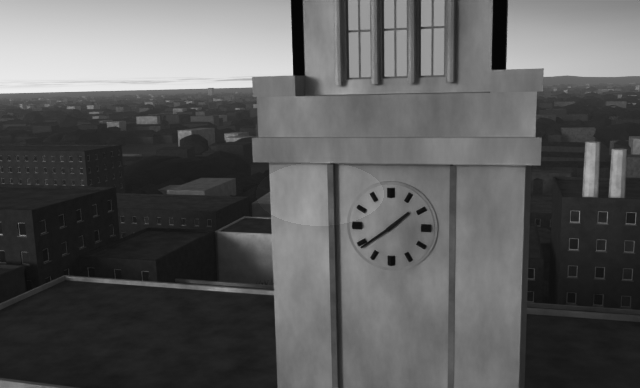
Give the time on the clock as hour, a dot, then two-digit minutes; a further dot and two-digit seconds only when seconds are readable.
1.39
